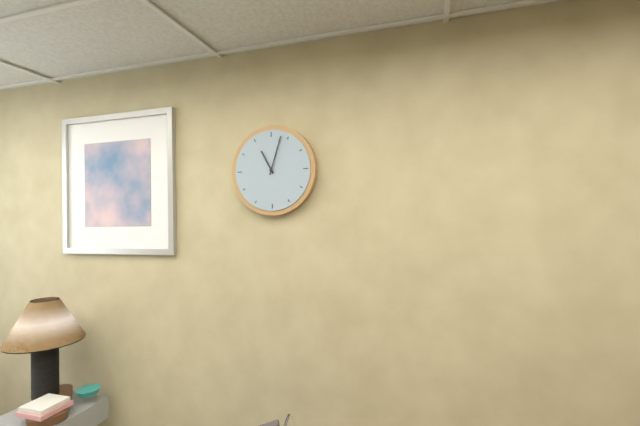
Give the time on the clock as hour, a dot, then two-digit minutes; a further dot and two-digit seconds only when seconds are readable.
11.03
